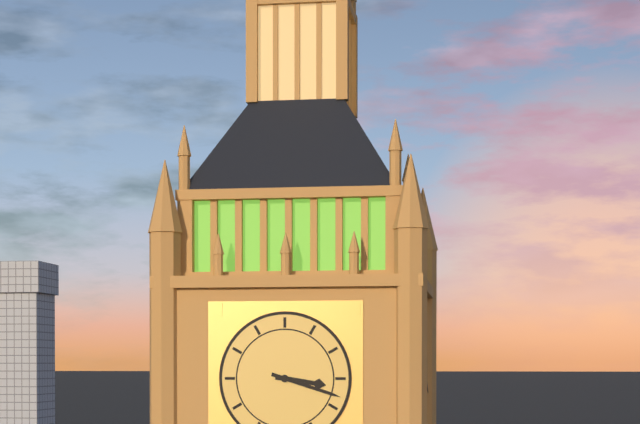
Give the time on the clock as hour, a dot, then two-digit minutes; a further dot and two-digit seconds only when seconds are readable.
3.18
